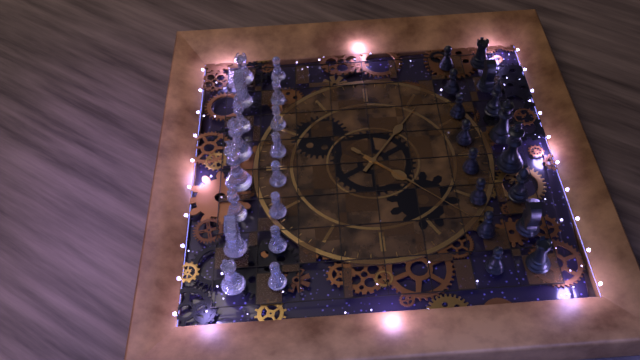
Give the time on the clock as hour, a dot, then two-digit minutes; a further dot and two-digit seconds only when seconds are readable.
7.21.37
